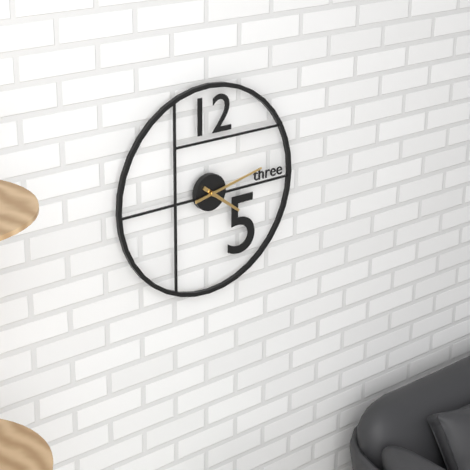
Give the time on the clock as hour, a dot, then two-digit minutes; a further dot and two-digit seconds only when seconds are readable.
4.13
